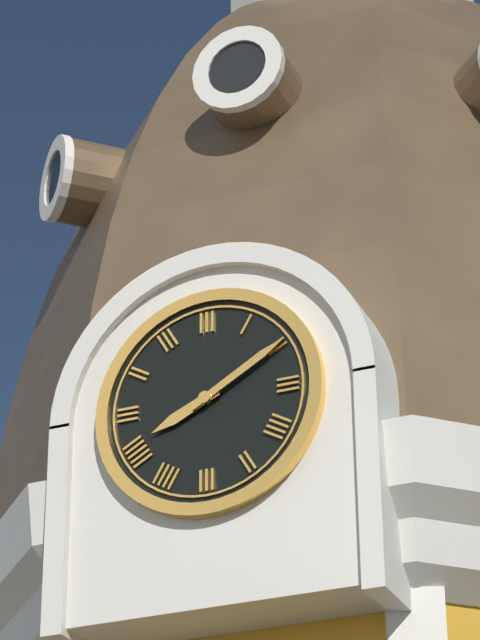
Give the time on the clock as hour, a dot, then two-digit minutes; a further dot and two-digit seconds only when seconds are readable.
8.10
